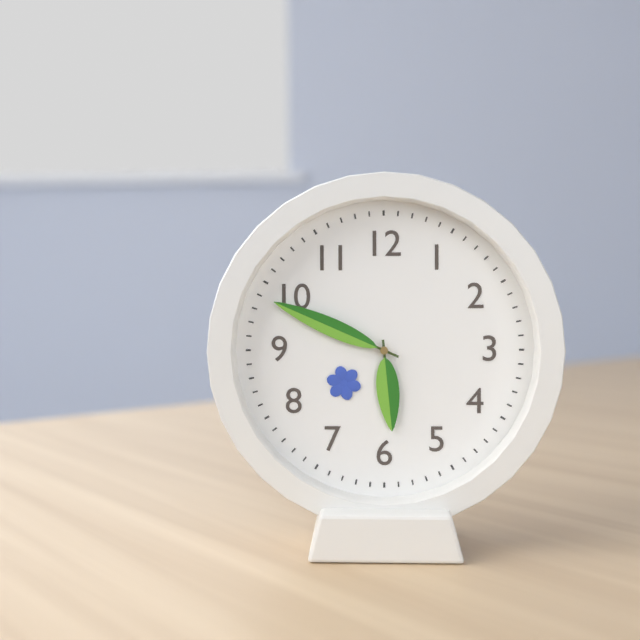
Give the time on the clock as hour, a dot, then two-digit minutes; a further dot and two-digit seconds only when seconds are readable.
5.49
